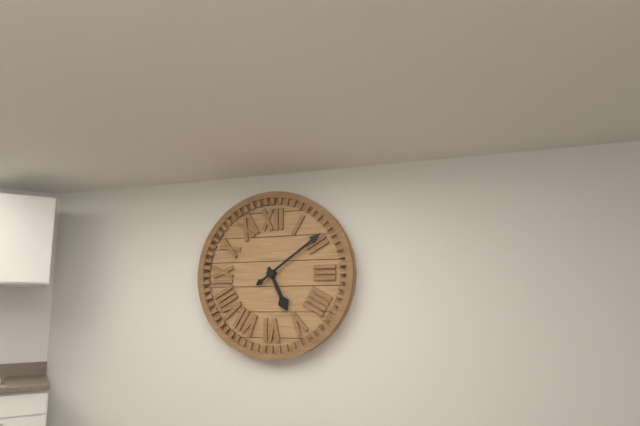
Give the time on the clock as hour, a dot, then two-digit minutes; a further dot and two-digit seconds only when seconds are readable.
5.09
